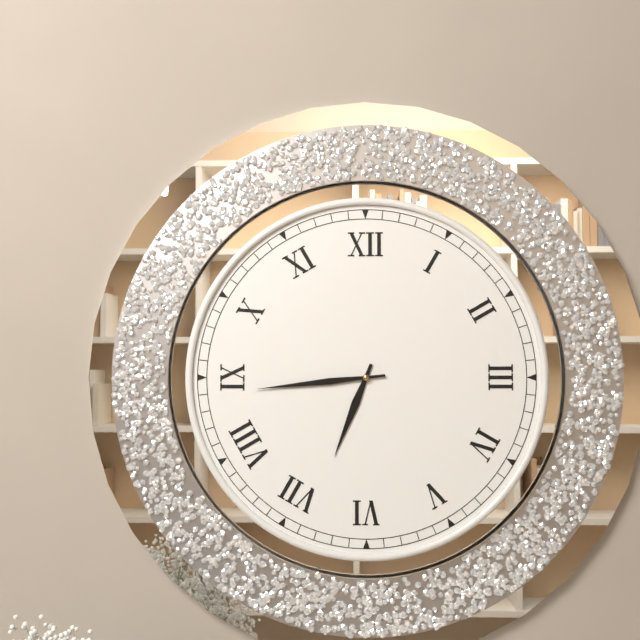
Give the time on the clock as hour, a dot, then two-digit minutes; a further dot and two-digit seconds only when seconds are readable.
6.44
